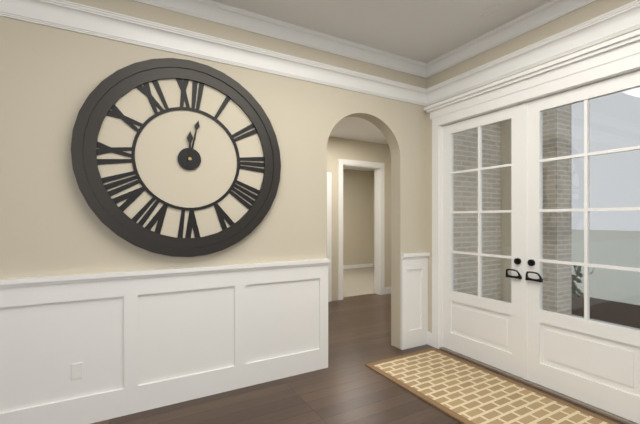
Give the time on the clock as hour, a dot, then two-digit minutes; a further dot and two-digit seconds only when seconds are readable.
12.02
